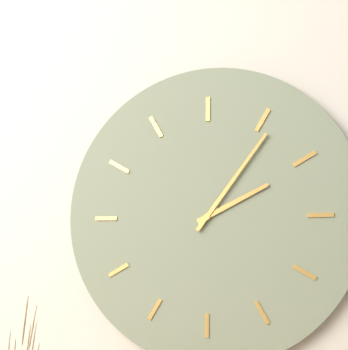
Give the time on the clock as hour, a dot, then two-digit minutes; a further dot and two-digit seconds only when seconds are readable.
2.06
